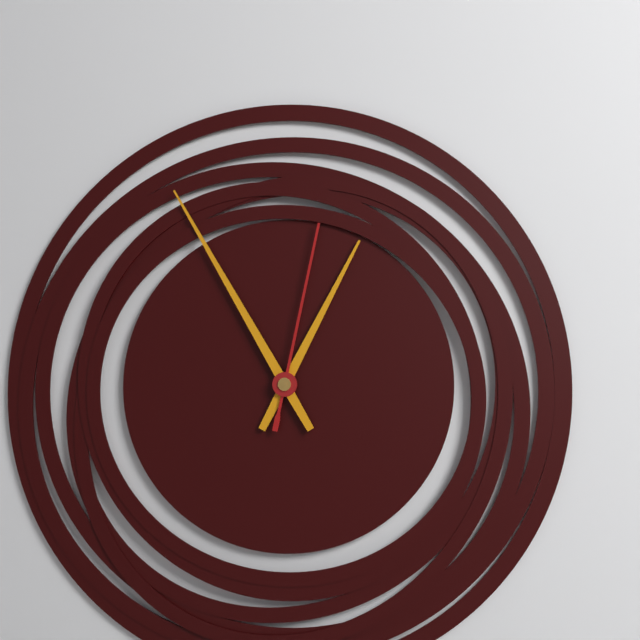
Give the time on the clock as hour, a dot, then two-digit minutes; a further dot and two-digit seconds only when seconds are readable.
12.55.02
